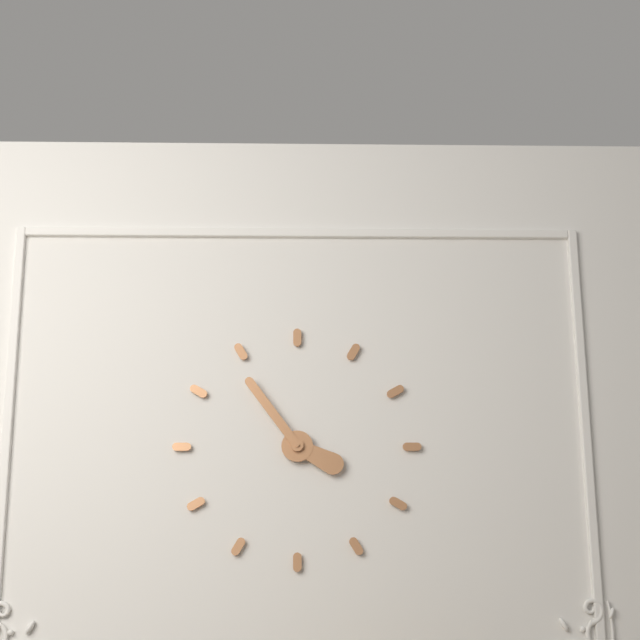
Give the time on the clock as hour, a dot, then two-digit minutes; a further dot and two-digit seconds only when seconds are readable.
3.54
